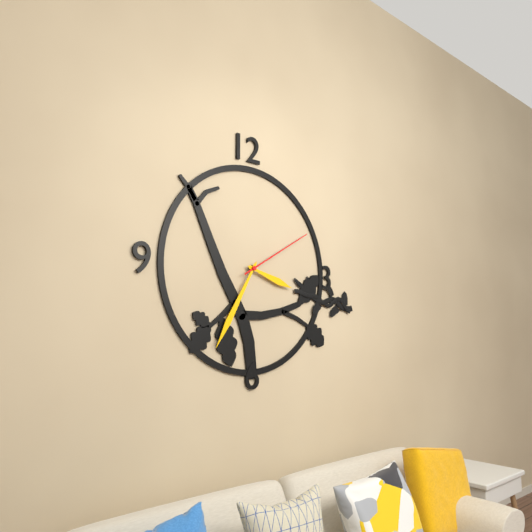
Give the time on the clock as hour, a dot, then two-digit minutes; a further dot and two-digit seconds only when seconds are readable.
3.35.10
